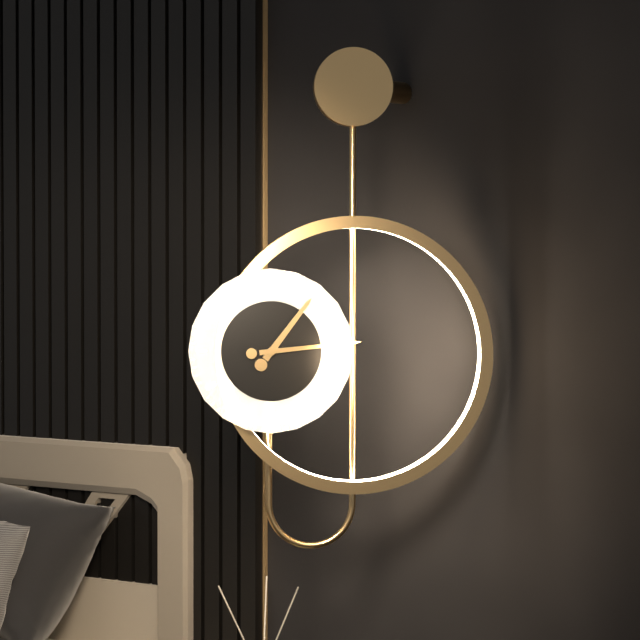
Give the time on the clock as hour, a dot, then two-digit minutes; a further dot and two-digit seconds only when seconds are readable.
1.14
